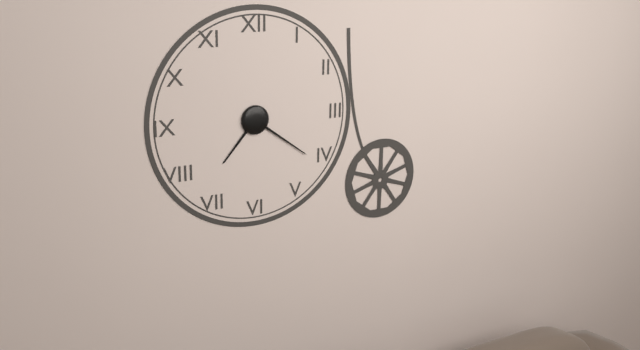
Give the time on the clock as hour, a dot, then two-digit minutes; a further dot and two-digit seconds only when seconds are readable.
7.21
